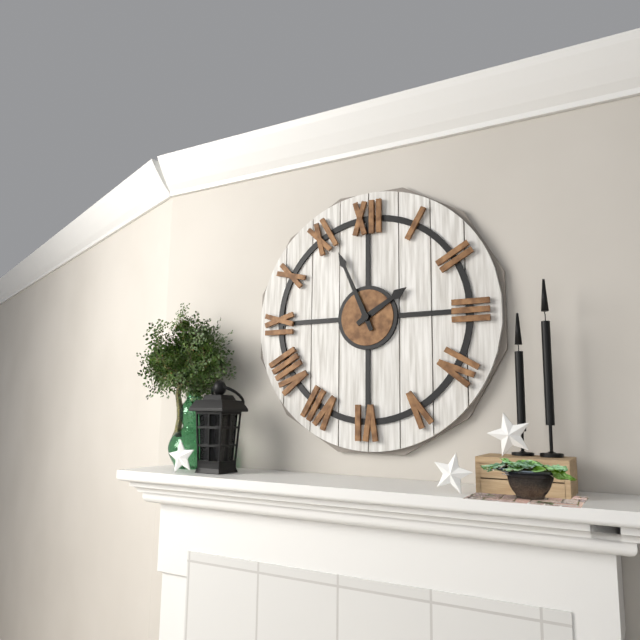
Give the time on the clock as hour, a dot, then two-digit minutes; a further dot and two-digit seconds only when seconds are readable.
1.56
